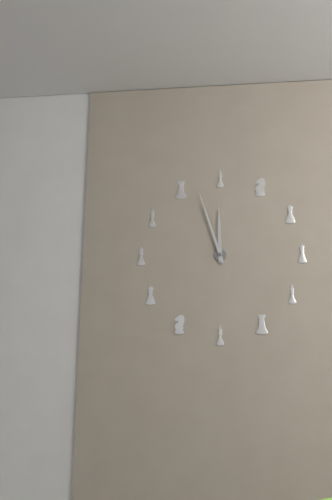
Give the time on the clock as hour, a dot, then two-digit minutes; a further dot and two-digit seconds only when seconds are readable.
11.57
